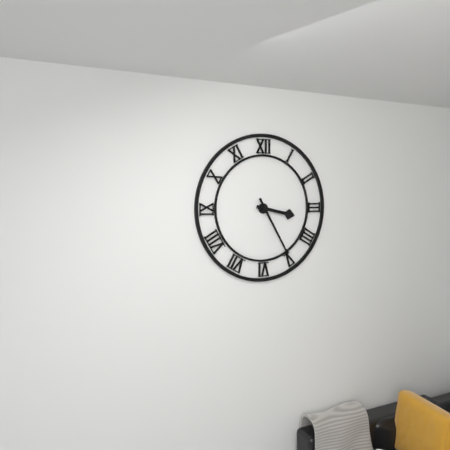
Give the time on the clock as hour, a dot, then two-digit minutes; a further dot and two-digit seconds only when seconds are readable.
3.25
